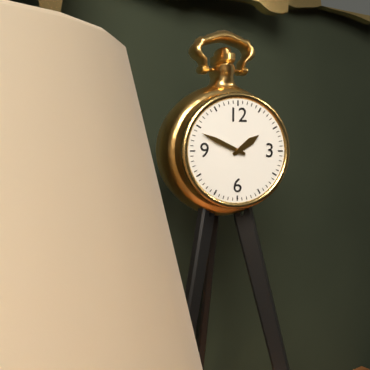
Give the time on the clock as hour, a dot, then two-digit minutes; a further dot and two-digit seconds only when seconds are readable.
1.49
